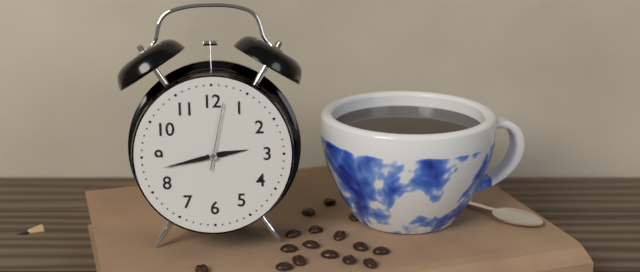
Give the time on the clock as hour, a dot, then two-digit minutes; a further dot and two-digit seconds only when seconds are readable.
2.43.02
